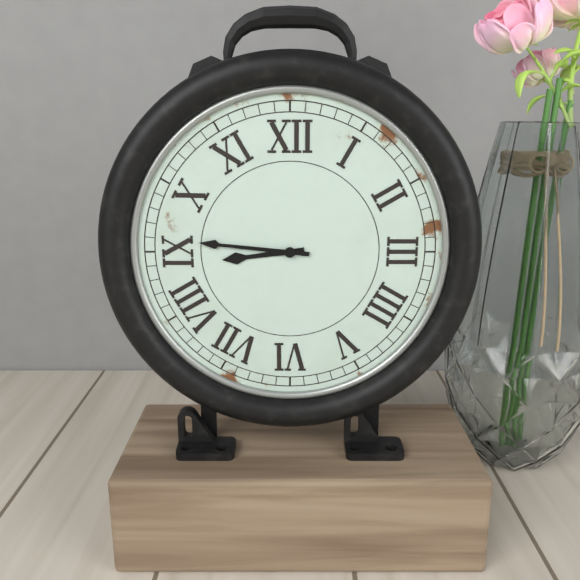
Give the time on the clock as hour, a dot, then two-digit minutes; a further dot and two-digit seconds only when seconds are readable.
8.46
